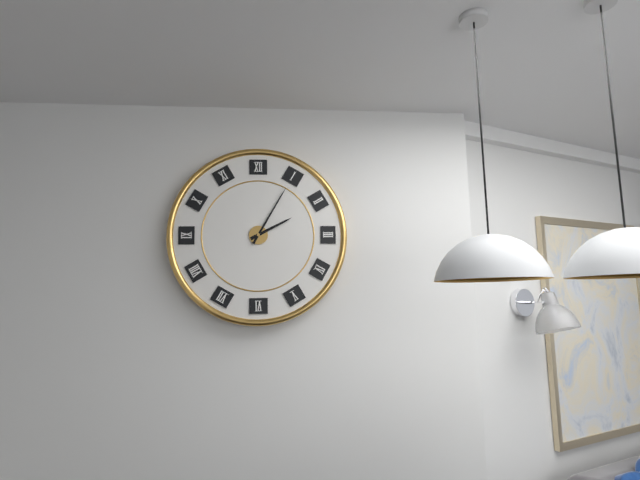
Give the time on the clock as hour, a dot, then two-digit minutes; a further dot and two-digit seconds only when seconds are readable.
2.05
